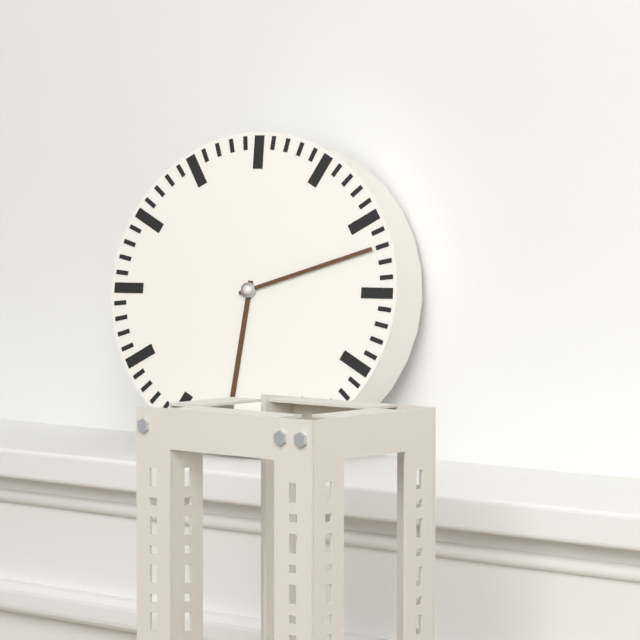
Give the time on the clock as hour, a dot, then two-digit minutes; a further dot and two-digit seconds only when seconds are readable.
6.12
